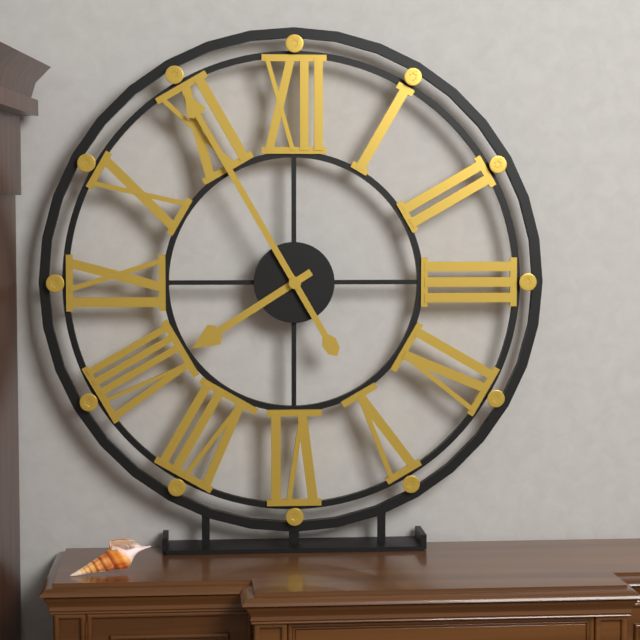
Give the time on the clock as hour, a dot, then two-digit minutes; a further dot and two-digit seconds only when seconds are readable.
7.55
